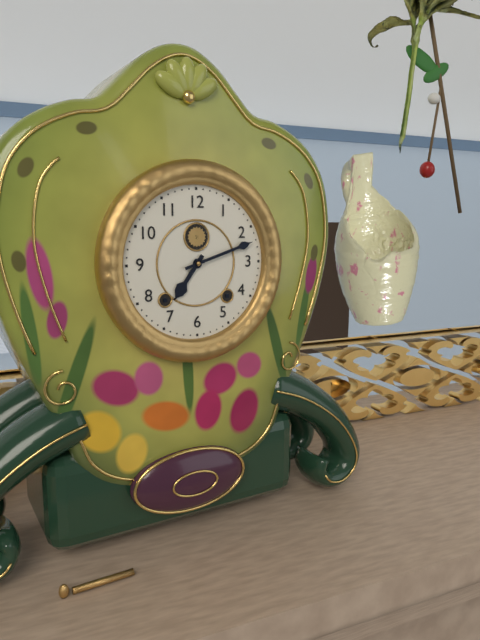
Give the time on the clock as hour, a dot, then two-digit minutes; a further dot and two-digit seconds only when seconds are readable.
7.12
